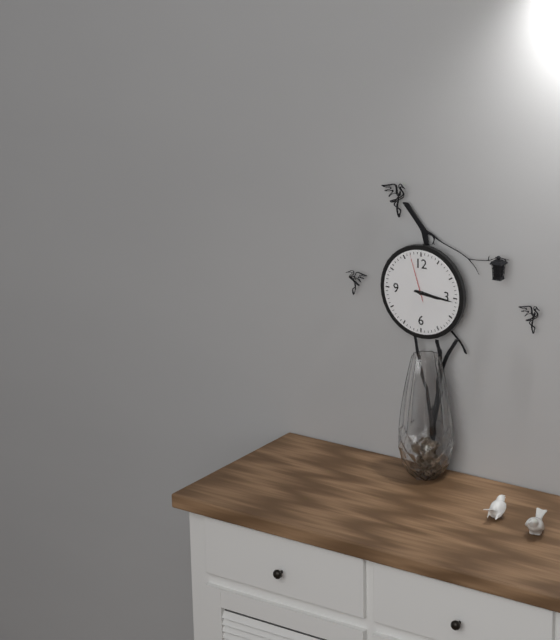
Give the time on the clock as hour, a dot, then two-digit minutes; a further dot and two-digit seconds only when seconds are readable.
3.16
